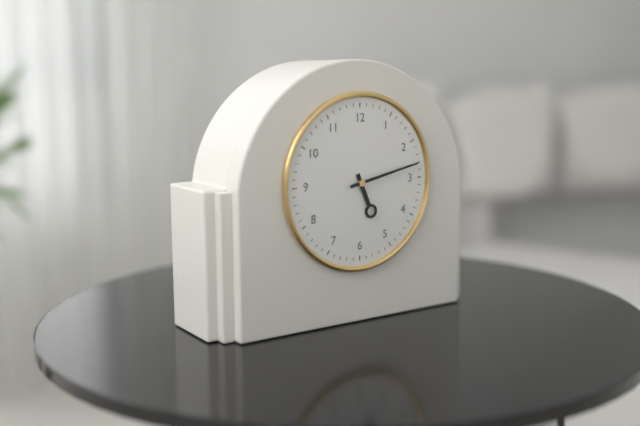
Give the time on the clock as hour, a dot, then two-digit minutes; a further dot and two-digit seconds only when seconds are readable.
5.13
